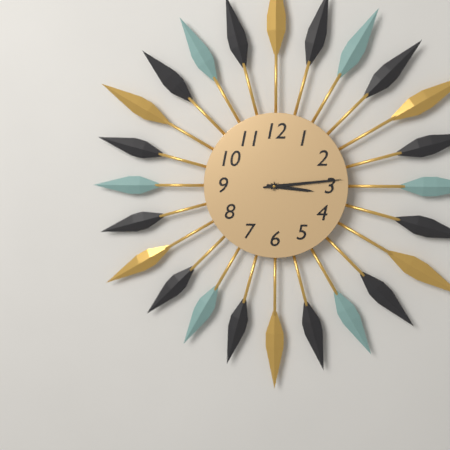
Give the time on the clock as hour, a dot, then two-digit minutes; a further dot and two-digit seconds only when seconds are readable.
3.14
